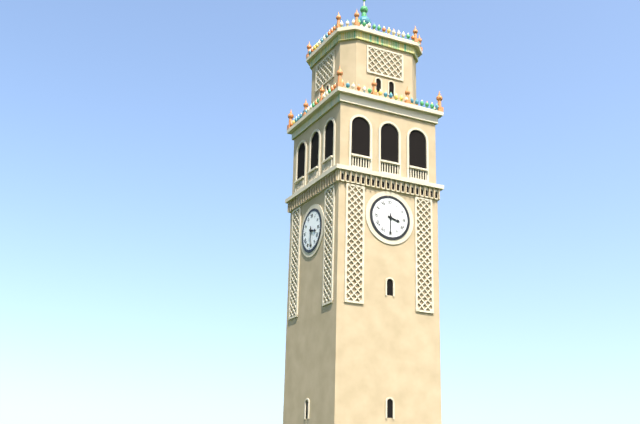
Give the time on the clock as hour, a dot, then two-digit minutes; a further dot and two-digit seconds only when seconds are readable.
3.30
